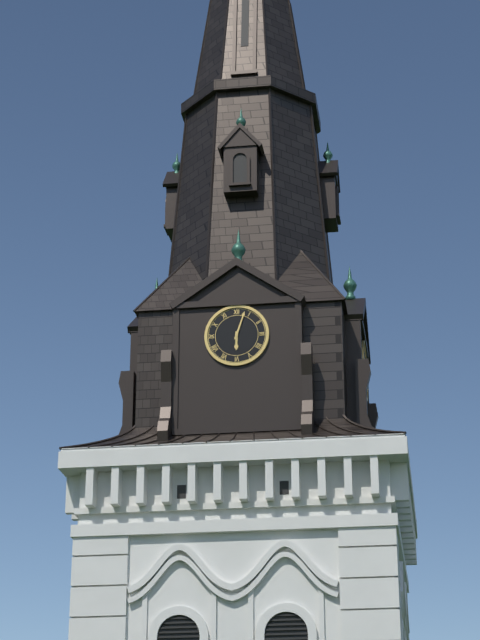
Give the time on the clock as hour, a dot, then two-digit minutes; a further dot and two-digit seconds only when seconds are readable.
6.03
